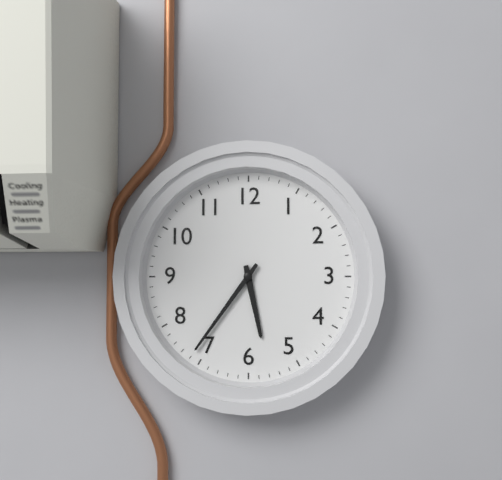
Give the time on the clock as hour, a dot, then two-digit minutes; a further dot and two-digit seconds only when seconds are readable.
5.36
